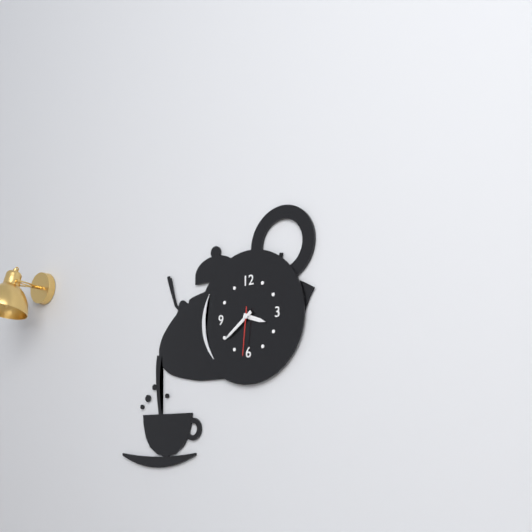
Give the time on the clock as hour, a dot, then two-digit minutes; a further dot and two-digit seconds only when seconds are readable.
3.39
